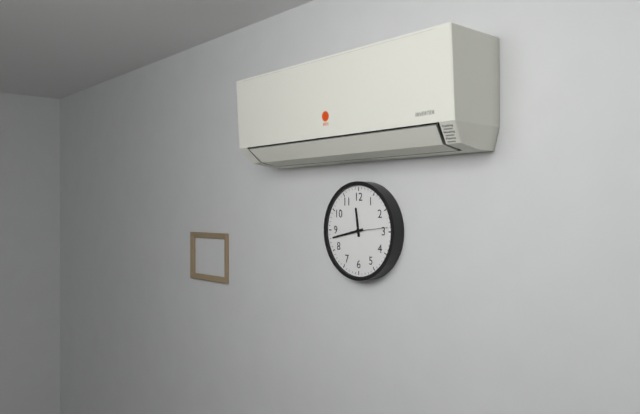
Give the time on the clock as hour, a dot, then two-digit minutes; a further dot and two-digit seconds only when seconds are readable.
11.43
